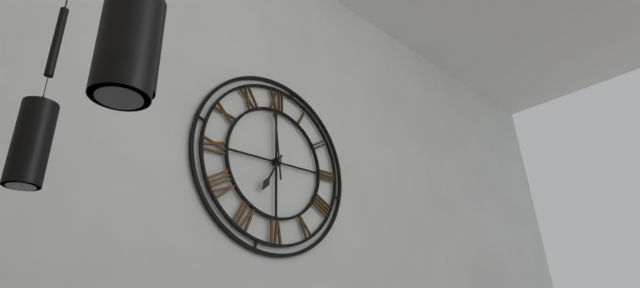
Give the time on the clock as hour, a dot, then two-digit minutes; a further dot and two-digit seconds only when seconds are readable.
6.59
